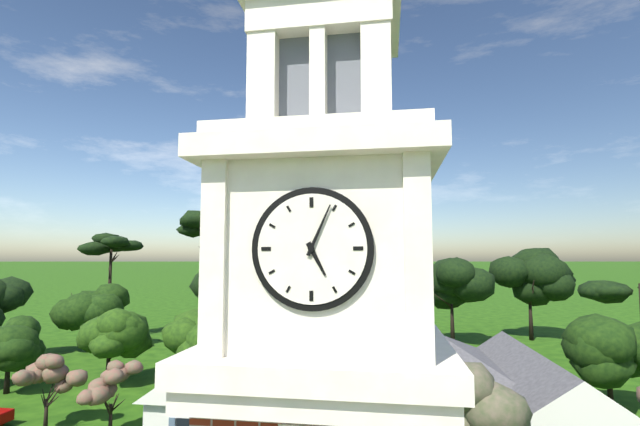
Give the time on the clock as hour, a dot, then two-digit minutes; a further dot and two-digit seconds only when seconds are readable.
5.04
